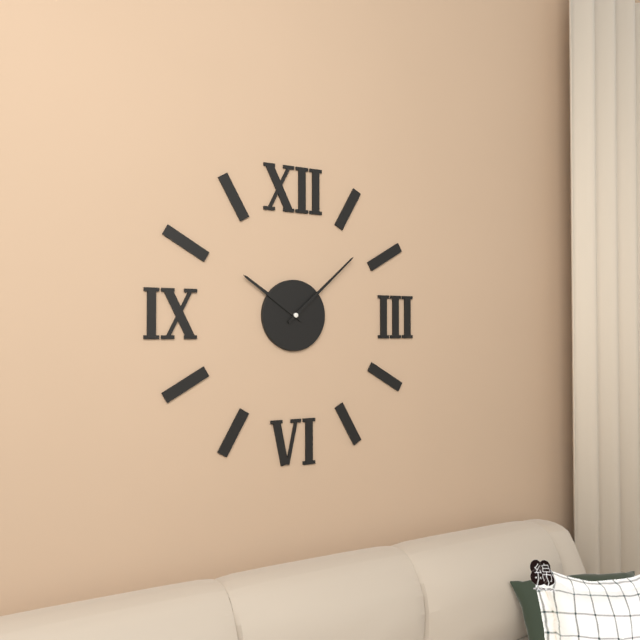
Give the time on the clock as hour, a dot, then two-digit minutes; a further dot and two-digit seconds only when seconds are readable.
10.08
